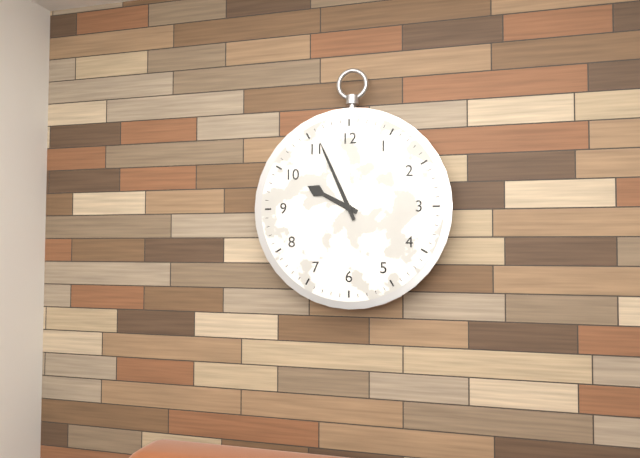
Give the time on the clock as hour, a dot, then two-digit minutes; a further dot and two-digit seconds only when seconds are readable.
9.56
